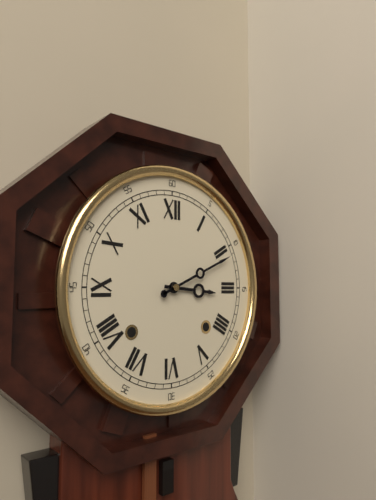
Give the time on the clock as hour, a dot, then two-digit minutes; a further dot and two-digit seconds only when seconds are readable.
3.11
